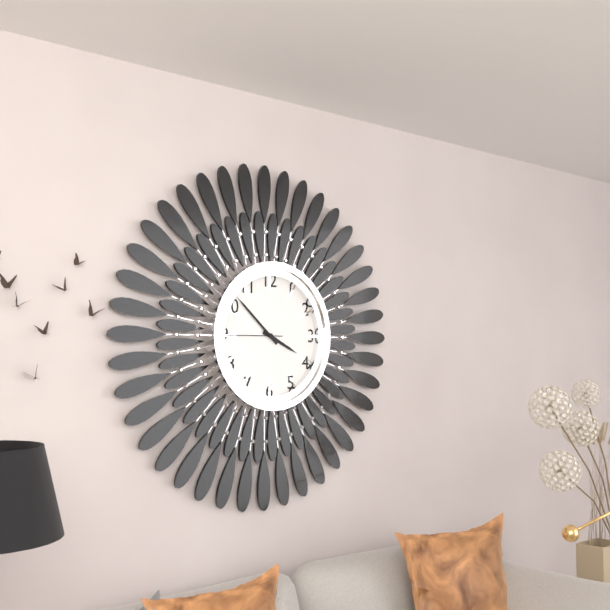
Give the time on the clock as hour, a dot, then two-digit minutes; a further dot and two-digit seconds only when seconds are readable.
3.52.45
